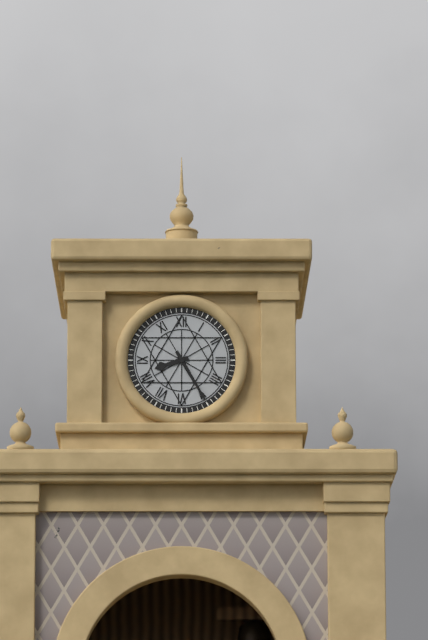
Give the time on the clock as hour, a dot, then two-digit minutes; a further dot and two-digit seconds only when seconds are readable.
8.25
